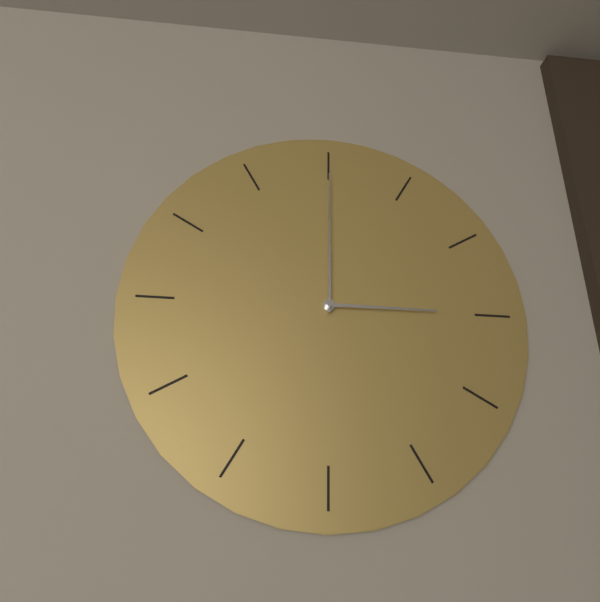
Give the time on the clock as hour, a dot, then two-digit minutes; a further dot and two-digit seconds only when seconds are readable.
3.00
